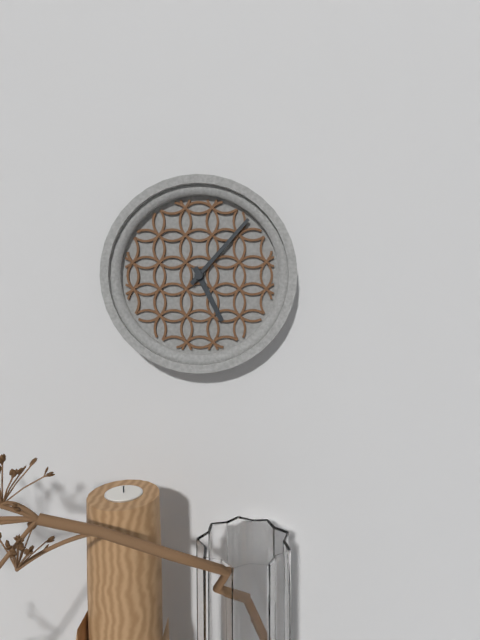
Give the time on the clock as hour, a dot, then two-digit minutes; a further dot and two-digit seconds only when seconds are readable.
5.07
